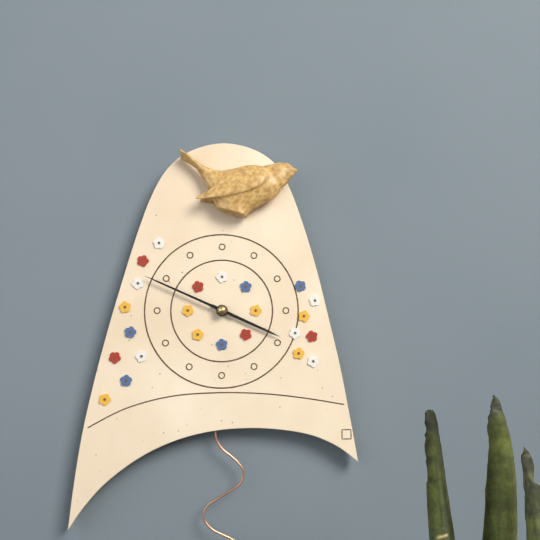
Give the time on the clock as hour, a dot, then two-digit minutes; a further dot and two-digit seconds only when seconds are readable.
3.49
